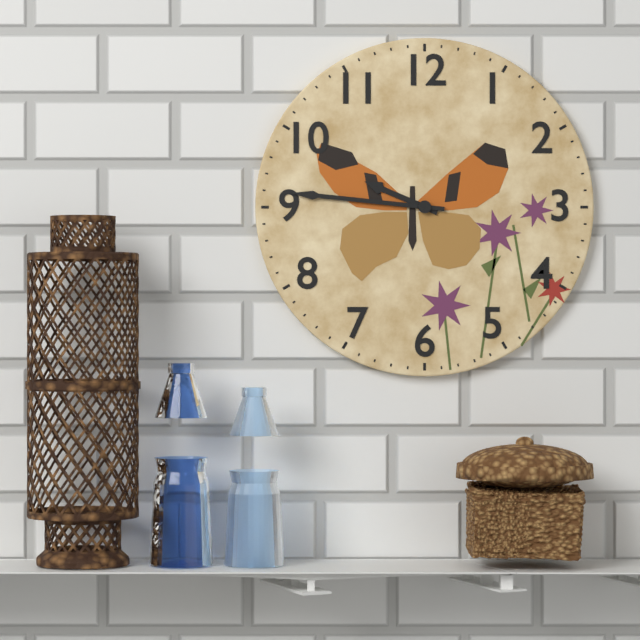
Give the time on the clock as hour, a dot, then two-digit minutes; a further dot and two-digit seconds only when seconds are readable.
9.46
